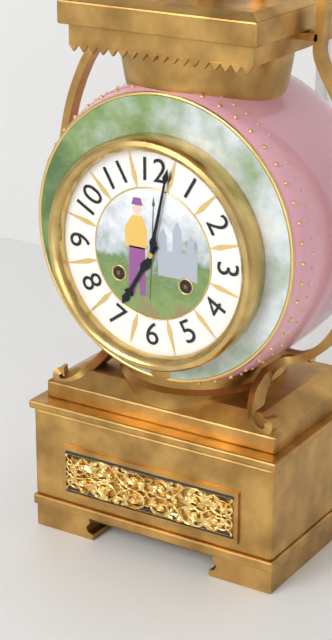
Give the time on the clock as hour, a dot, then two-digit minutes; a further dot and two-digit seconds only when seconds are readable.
7.02
